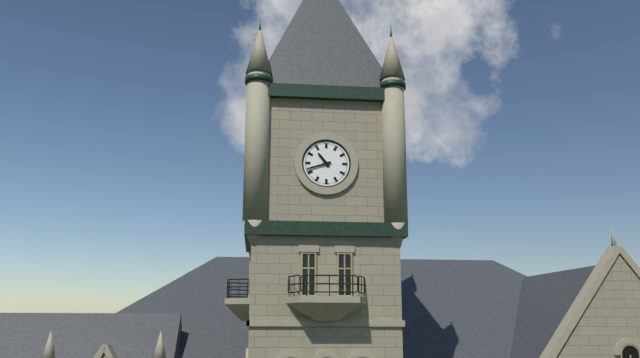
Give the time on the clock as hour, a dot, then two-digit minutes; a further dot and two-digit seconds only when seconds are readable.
10.42
